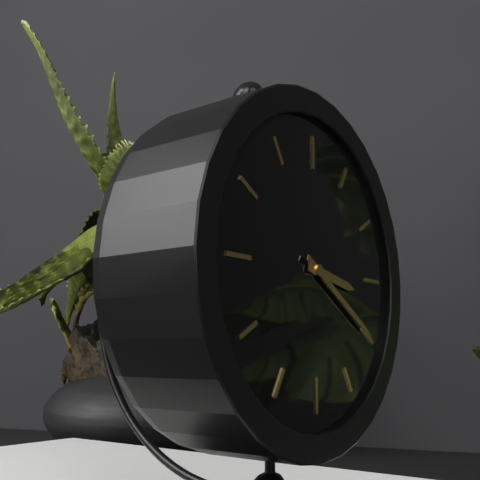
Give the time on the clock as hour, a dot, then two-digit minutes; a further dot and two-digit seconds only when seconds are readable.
3.20
